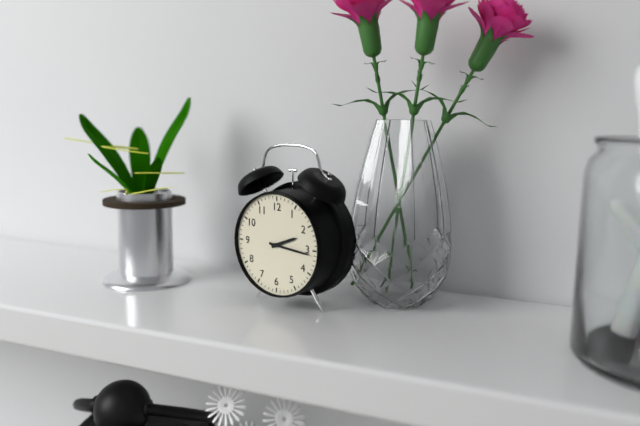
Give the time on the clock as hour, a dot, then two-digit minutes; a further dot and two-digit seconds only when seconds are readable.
2.16
